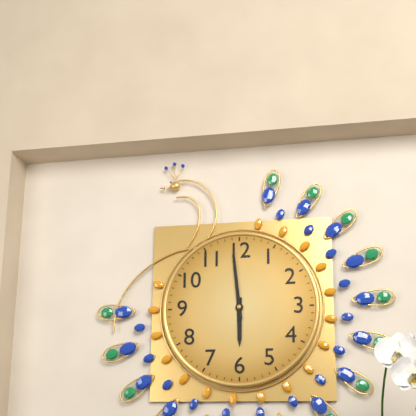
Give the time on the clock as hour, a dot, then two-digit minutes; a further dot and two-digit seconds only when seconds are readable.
5.59
